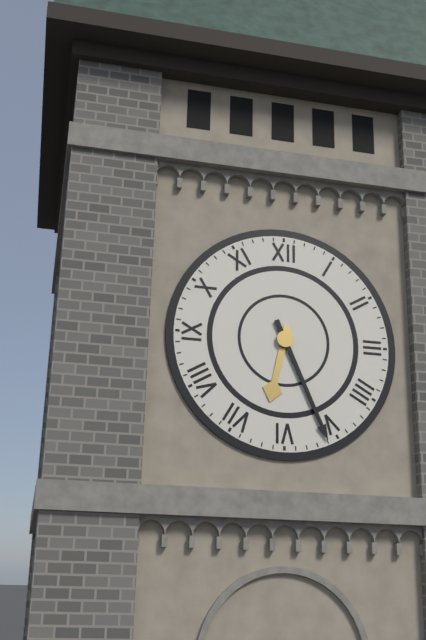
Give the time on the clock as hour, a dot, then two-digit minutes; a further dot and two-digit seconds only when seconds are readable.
6.26
